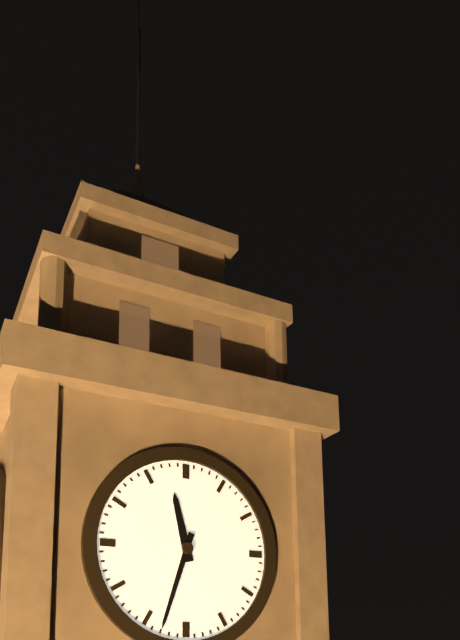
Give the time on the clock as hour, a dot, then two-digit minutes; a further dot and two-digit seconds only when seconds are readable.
11.33
